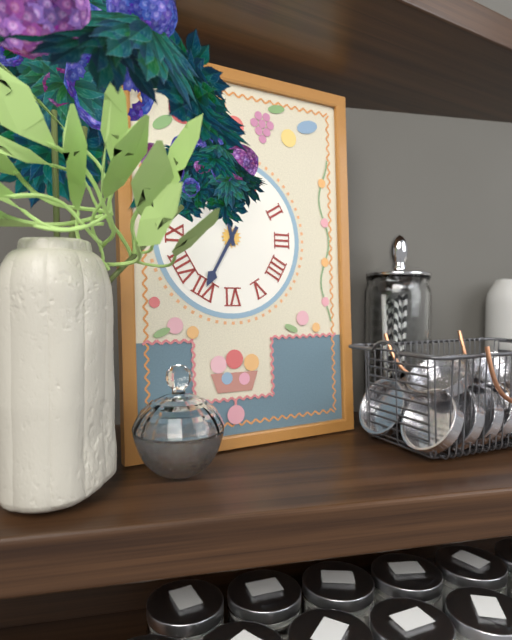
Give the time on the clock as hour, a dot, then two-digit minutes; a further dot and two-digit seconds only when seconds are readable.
11.35
